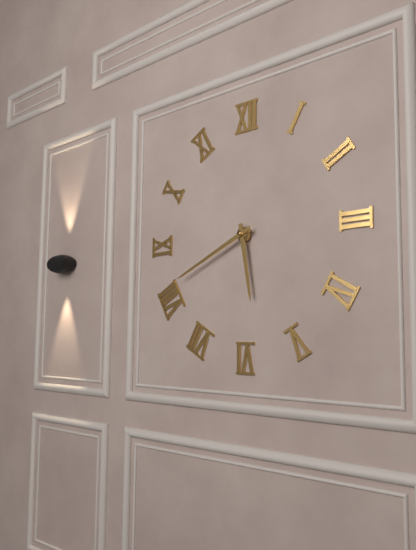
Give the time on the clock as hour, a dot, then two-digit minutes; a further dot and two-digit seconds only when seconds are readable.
5.41
